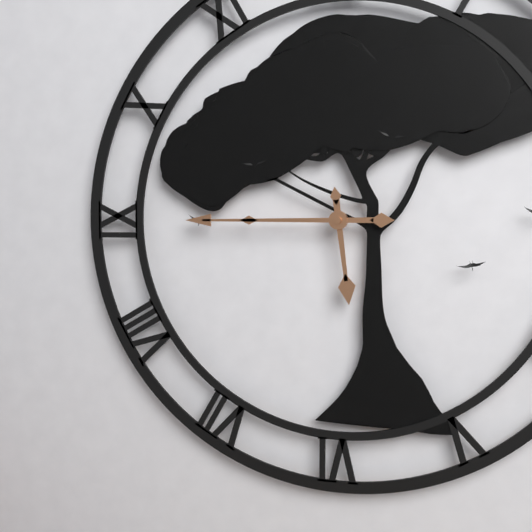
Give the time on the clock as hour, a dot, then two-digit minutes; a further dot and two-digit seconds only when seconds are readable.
5.45
